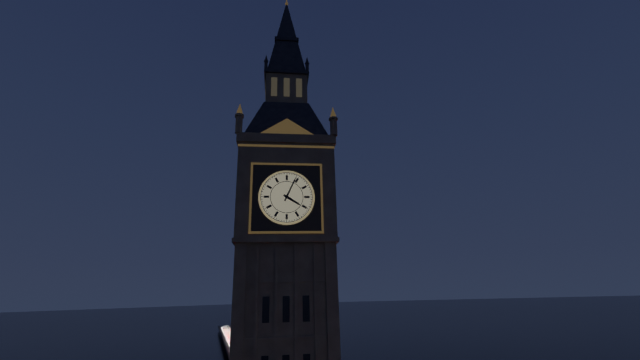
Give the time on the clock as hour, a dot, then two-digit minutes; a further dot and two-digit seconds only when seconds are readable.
4.04
